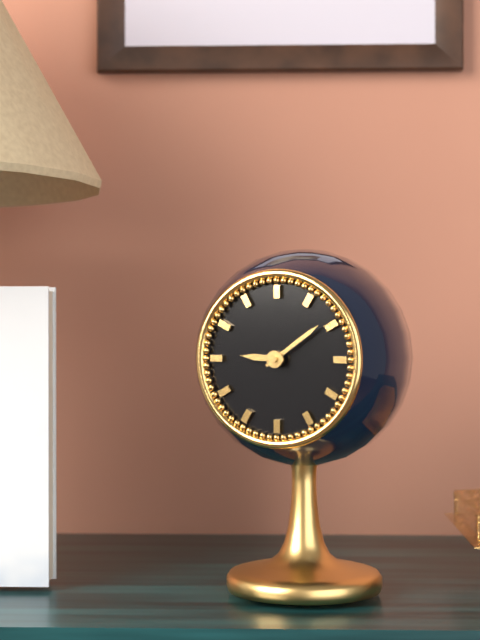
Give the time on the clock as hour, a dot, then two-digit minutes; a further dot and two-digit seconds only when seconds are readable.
9.09
